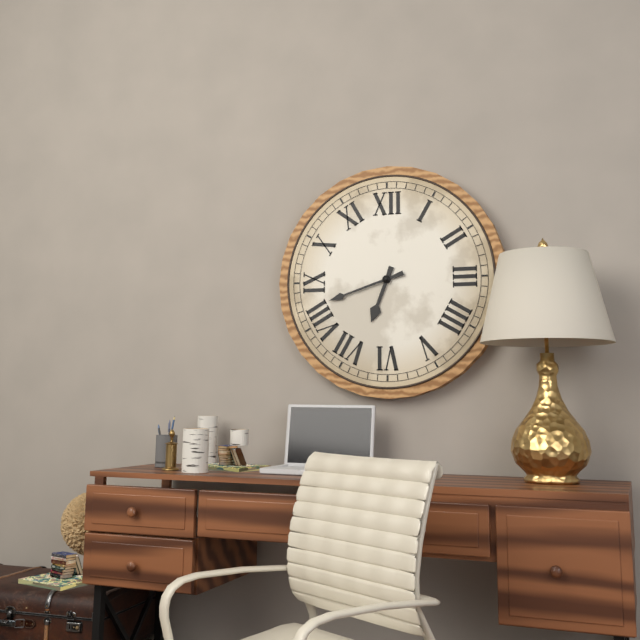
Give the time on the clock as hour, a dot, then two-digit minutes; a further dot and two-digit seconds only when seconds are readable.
6.42
